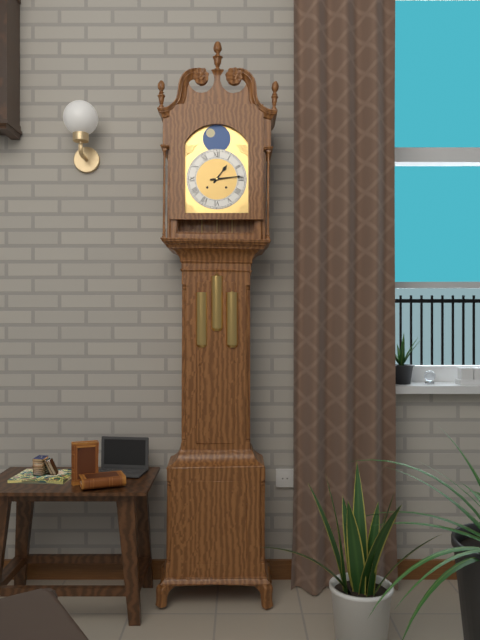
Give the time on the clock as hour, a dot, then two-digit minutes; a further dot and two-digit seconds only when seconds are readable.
1.14
